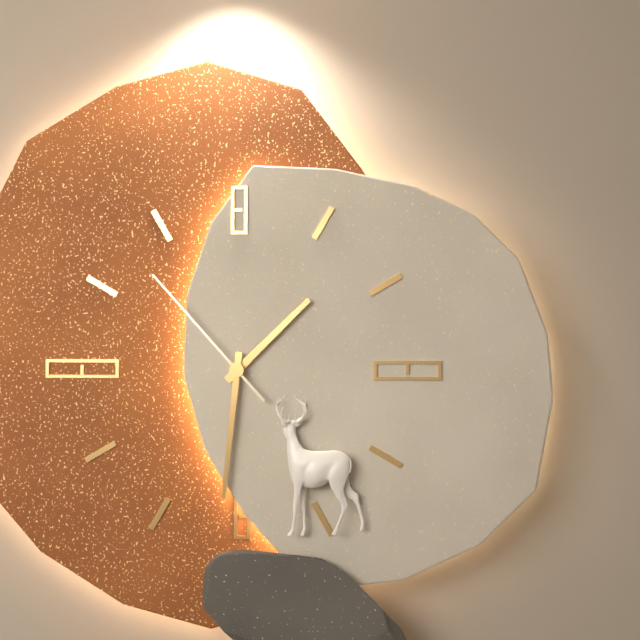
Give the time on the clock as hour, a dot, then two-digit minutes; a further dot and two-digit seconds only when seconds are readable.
1.31.53
